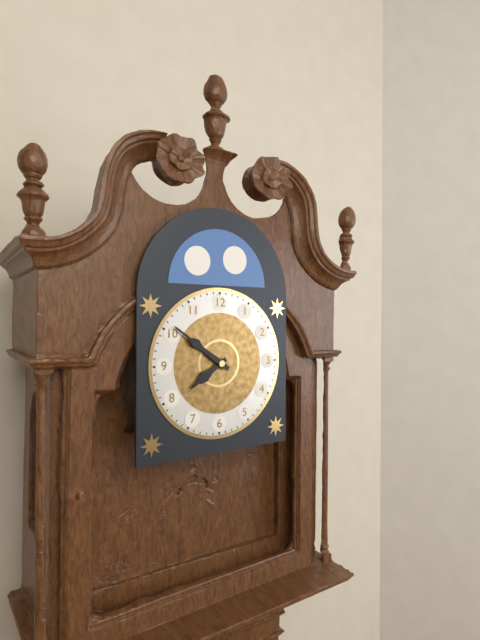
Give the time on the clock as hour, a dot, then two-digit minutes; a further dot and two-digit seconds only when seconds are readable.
7.51
